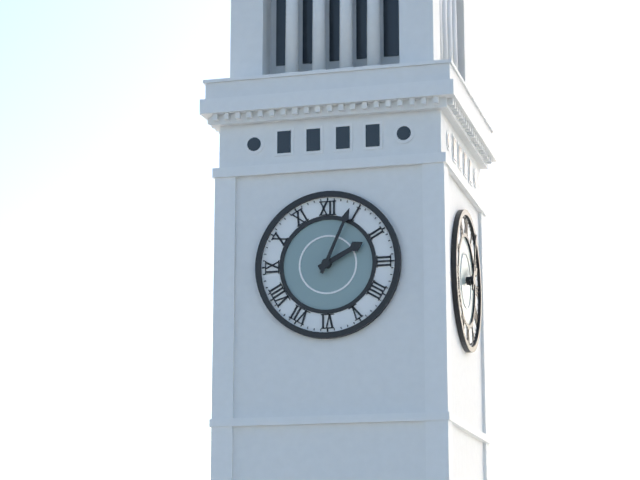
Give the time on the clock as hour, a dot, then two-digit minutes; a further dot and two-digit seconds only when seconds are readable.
2.04
